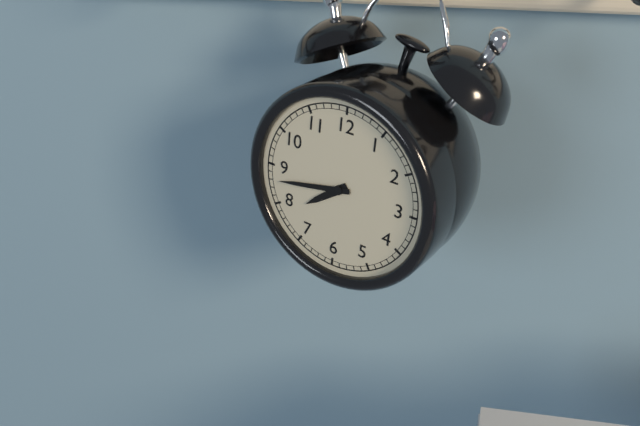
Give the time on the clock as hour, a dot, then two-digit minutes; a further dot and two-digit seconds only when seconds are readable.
7.43
